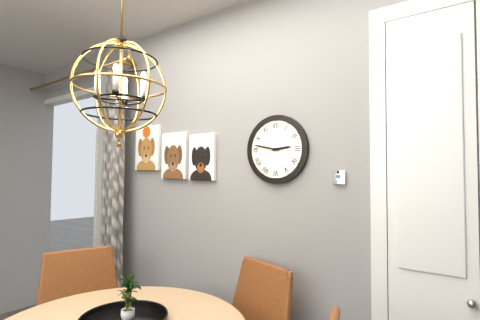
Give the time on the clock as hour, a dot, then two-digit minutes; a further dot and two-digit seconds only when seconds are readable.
2.47
